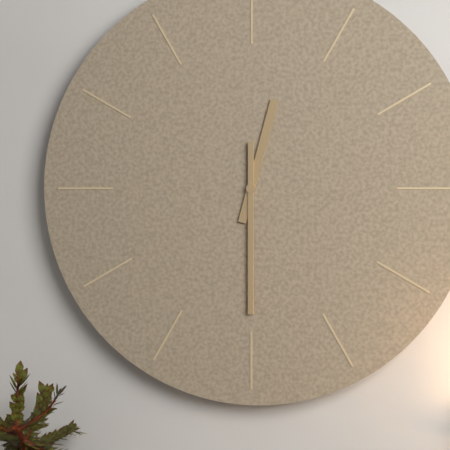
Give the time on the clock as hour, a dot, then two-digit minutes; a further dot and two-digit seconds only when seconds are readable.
12.30
